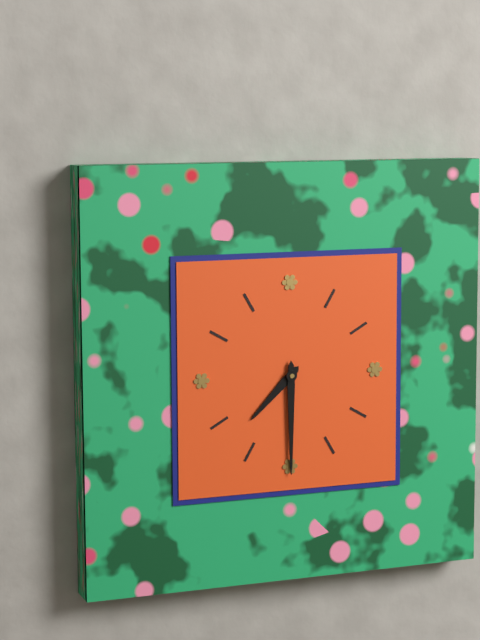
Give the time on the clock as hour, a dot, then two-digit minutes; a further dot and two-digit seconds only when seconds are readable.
7.30
